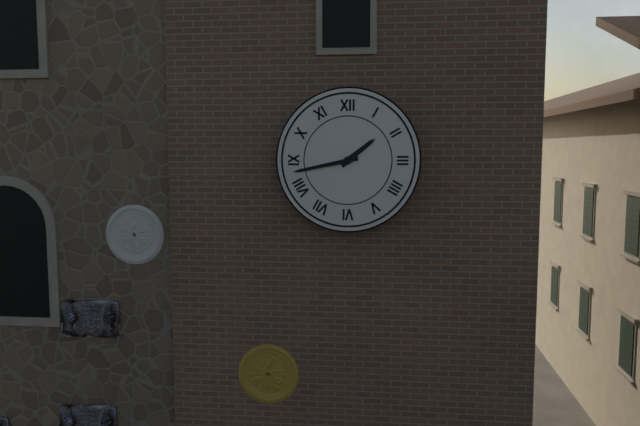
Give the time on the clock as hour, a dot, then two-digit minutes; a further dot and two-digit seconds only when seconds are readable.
1.43
